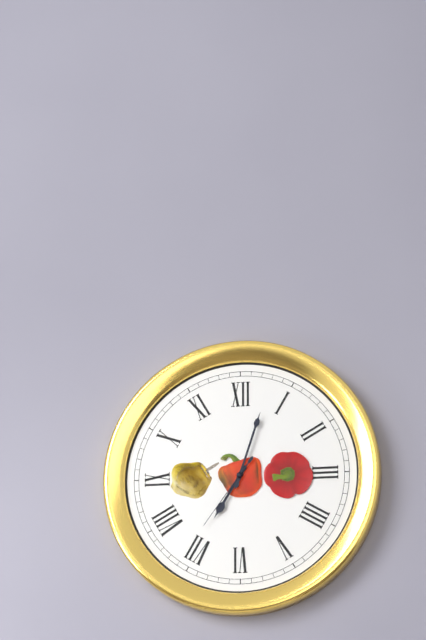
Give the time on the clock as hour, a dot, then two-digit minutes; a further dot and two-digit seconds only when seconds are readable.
7.03.36
